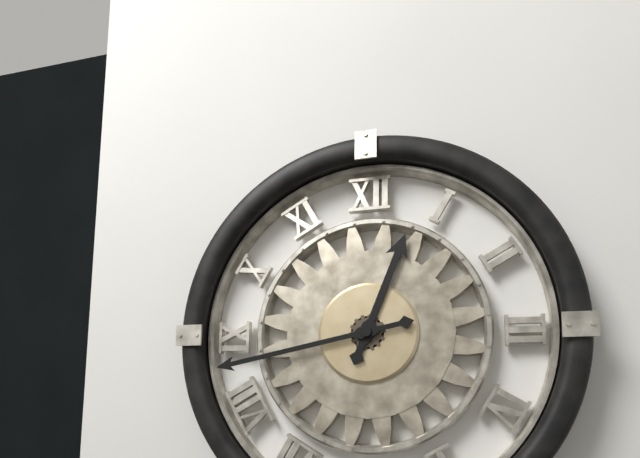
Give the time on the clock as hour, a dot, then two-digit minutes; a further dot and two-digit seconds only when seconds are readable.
12.43
